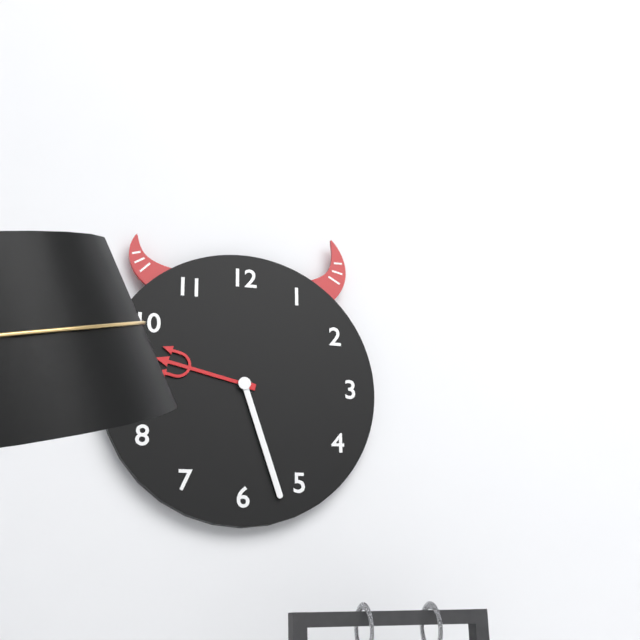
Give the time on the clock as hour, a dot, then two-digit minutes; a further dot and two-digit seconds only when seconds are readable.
9.27
